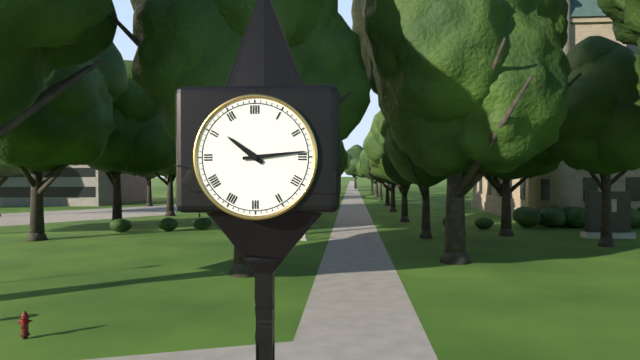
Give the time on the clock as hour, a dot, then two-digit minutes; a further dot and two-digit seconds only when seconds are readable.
10.14
